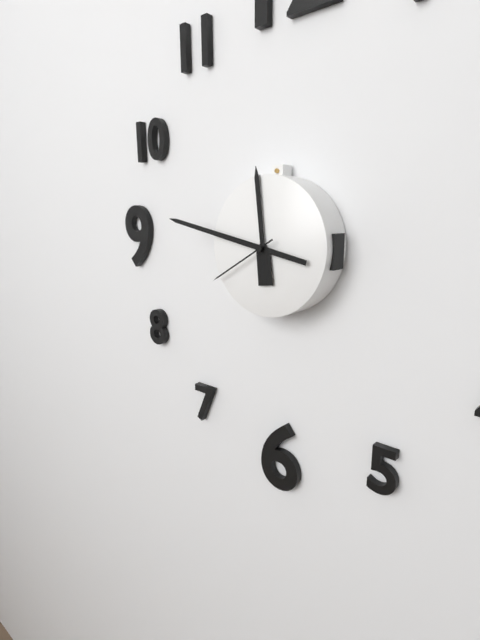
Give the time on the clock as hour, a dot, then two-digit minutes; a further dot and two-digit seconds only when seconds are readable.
11.47.40
